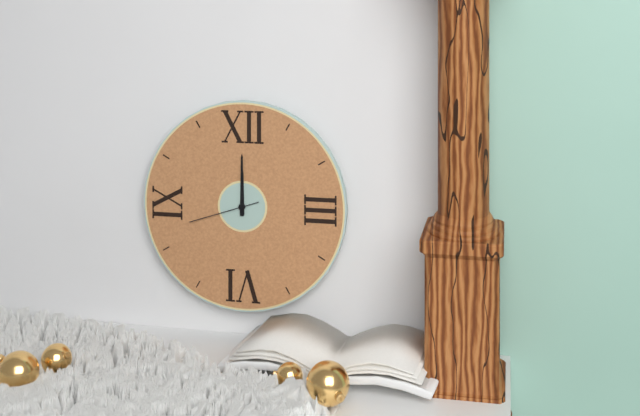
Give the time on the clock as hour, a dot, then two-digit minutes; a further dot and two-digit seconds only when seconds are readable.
12.00.42
